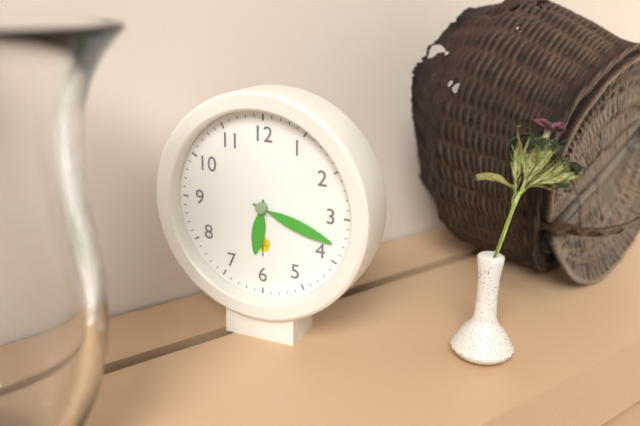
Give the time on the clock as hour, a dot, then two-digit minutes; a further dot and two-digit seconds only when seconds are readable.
6.18
